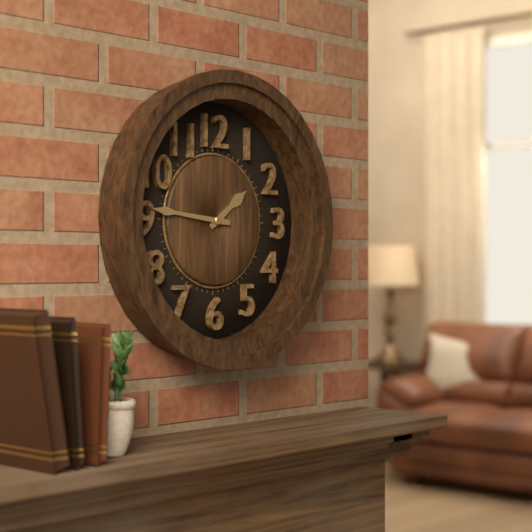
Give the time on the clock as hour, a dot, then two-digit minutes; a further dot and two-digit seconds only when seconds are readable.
1.46
